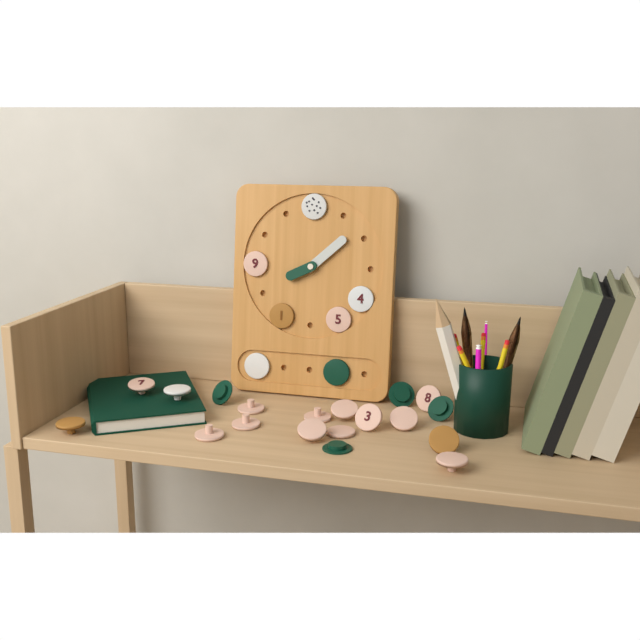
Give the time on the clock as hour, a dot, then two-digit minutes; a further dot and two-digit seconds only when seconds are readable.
8.08
